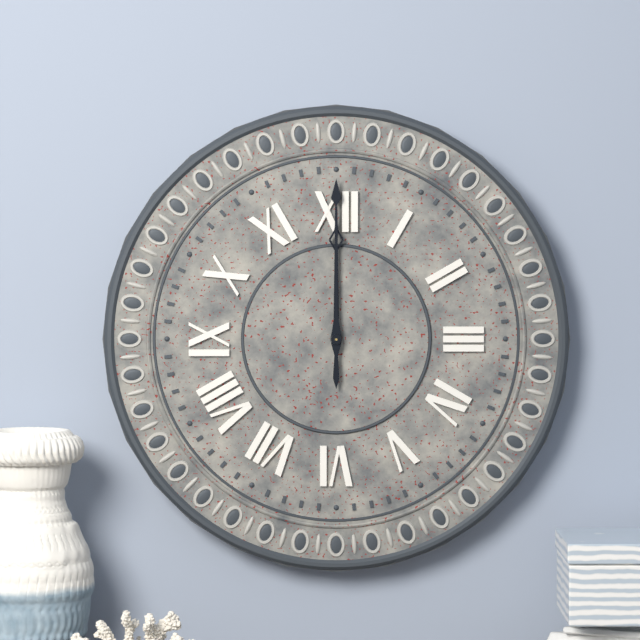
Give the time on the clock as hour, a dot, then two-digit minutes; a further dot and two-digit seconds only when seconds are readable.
12.00
